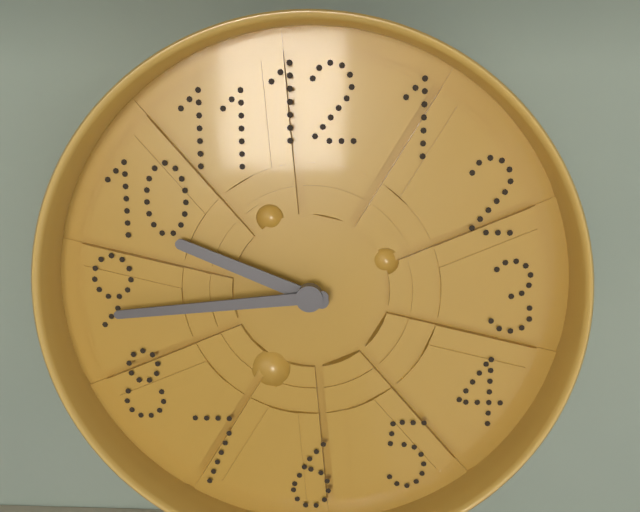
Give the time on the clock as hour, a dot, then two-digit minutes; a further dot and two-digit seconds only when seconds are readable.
9.44
